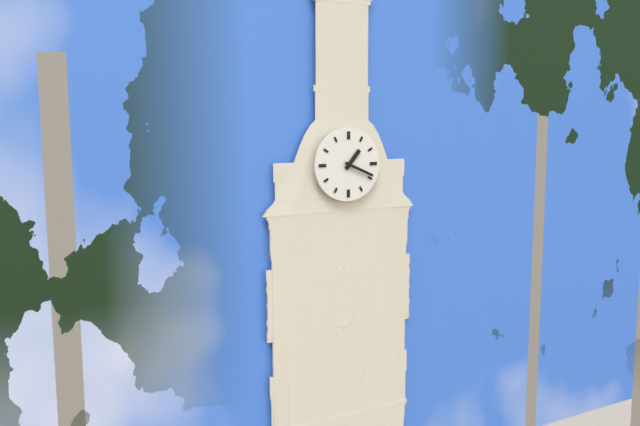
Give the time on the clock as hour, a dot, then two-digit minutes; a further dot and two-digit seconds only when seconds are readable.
1.19
